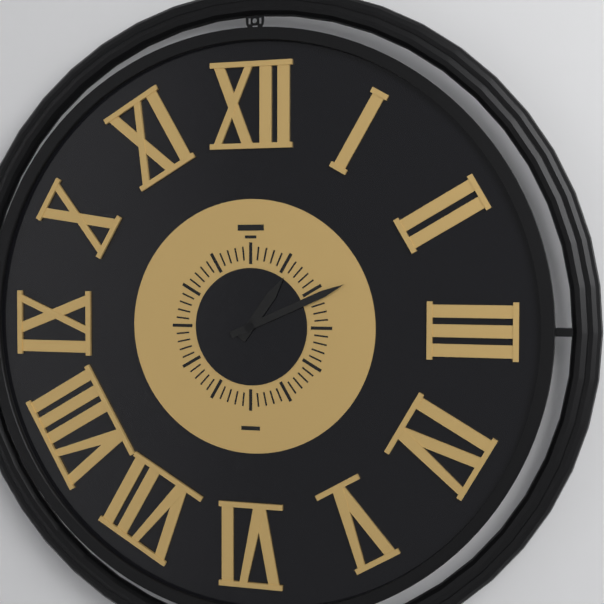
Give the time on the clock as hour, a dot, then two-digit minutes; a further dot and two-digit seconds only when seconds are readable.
1.11
